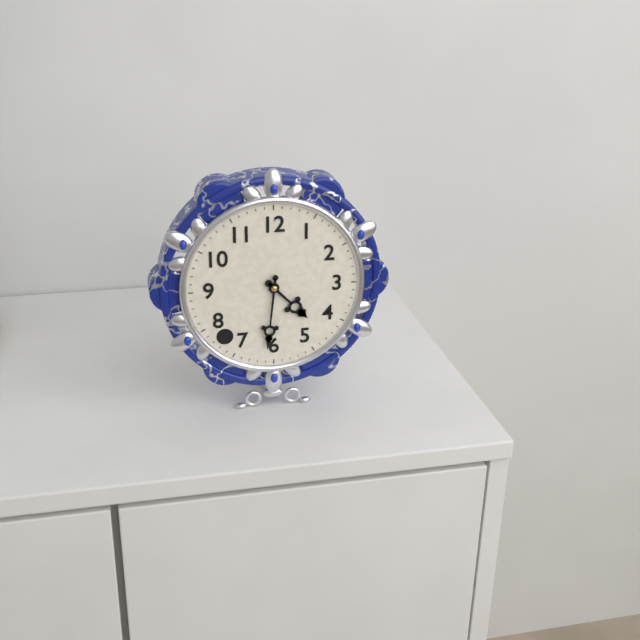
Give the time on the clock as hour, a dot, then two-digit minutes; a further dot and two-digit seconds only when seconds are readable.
4.31
